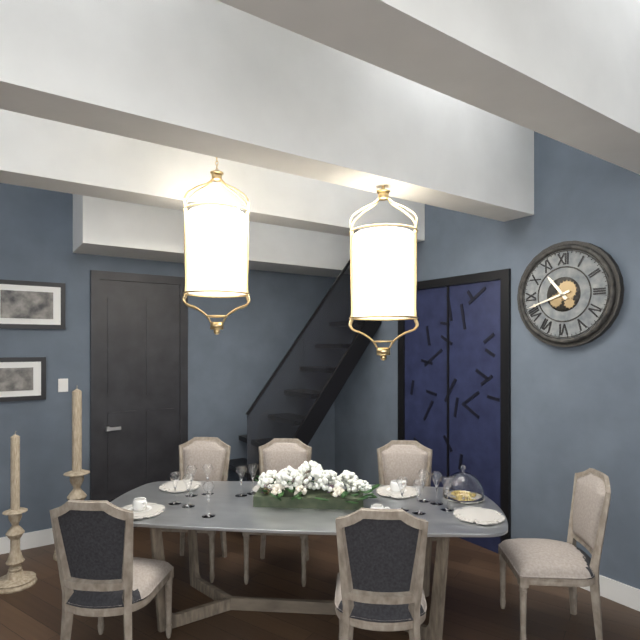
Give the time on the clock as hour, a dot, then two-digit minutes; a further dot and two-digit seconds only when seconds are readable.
10.42
